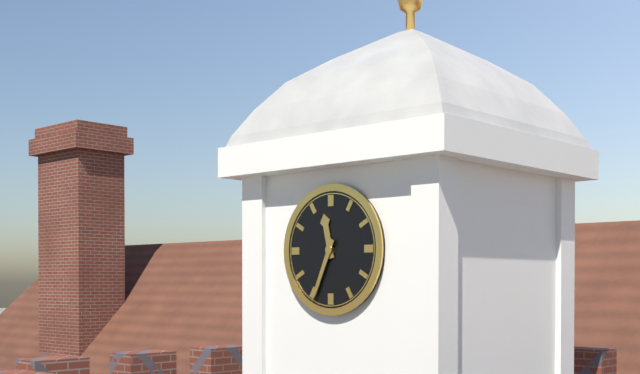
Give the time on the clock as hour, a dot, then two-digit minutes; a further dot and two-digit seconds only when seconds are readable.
11.34
